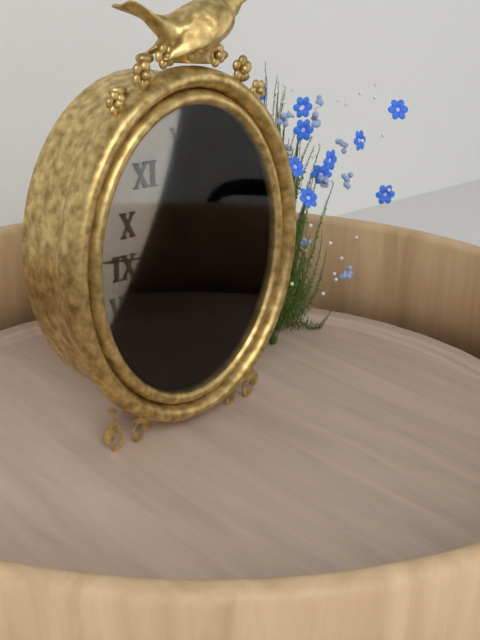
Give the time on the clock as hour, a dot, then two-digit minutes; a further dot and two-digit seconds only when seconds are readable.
6.46.05
